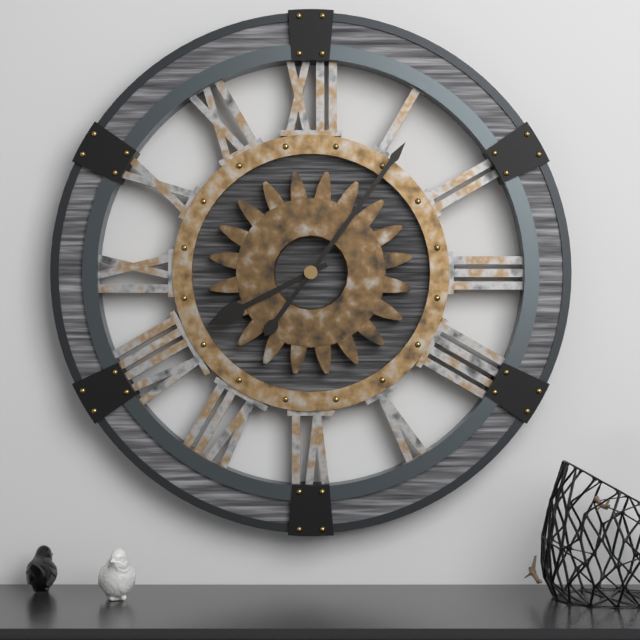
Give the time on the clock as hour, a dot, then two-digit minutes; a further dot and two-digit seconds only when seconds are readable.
8.06
